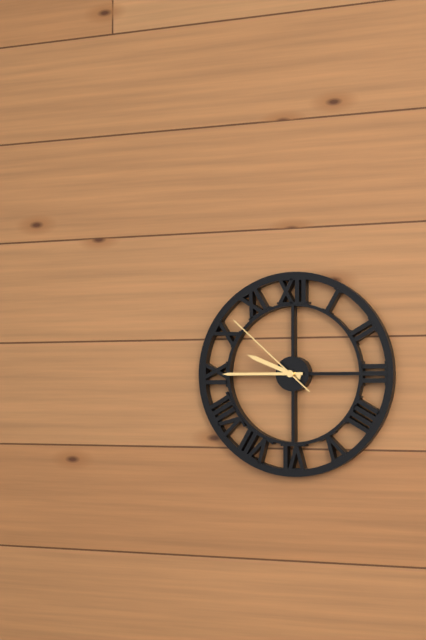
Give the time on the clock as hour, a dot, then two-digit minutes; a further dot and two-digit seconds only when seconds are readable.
9.45.52
